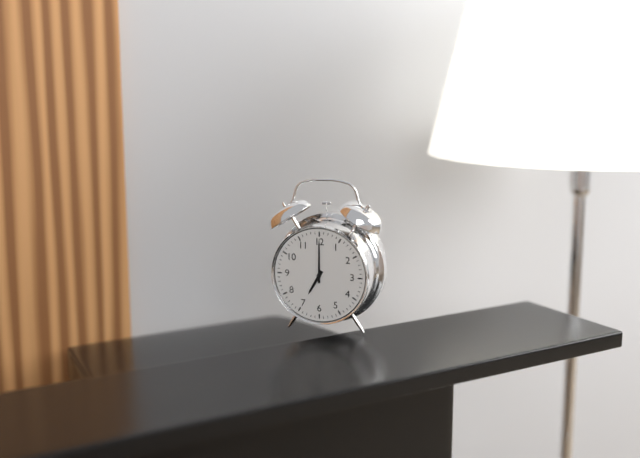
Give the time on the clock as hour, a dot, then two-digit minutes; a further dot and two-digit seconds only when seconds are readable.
7.00
